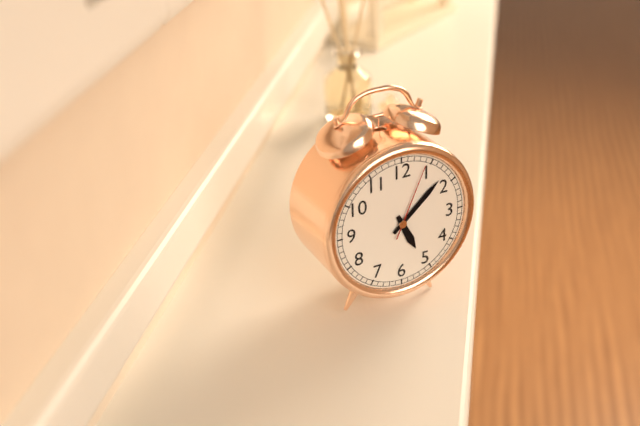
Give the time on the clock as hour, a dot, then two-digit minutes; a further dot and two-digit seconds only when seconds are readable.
5.08.04
